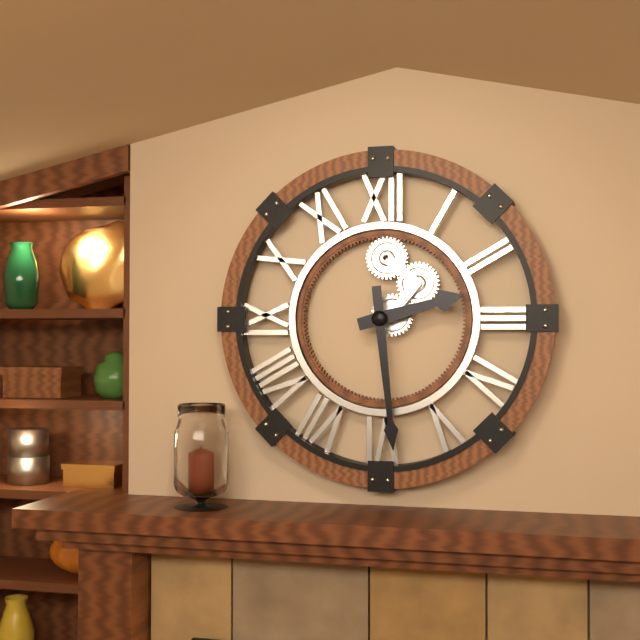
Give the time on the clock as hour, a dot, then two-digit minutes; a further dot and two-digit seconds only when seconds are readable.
2.29
